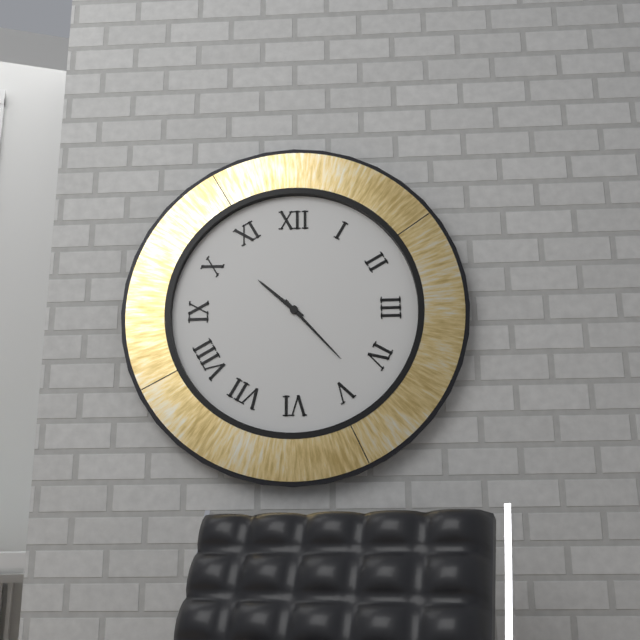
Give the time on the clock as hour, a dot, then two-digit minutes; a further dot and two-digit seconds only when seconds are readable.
10.23
